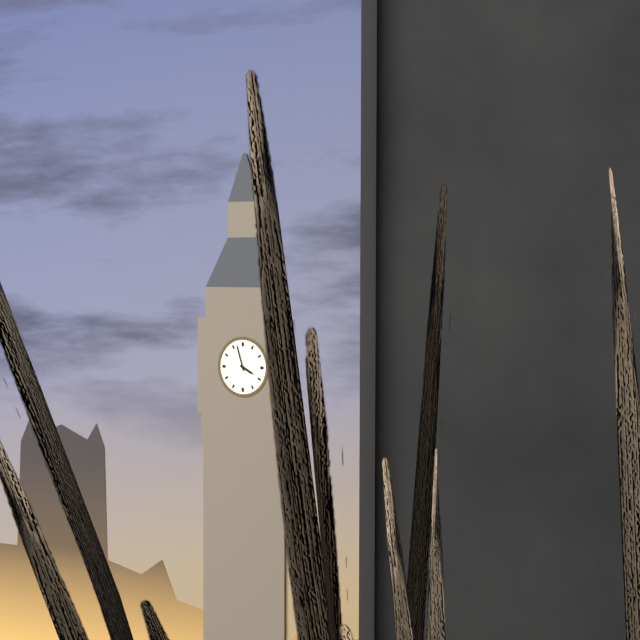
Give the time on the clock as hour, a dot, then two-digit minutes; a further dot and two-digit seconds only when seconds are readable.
3.57
